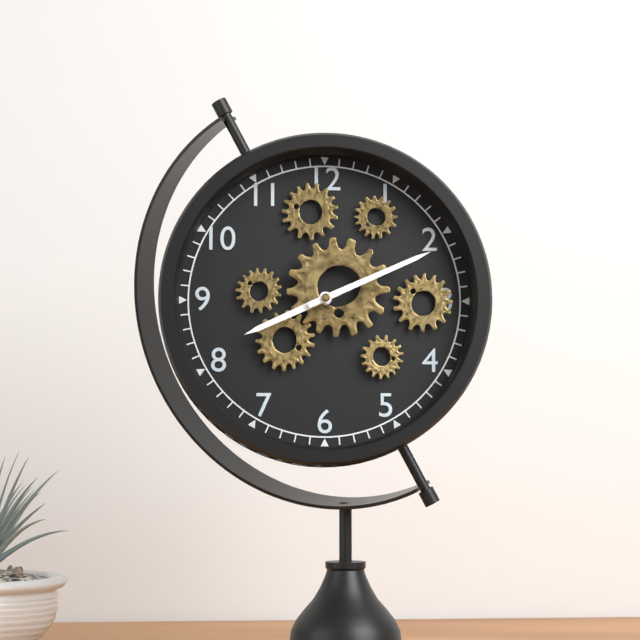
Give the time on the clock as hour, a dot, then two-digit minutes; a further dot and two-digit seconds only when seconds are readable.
8.11
